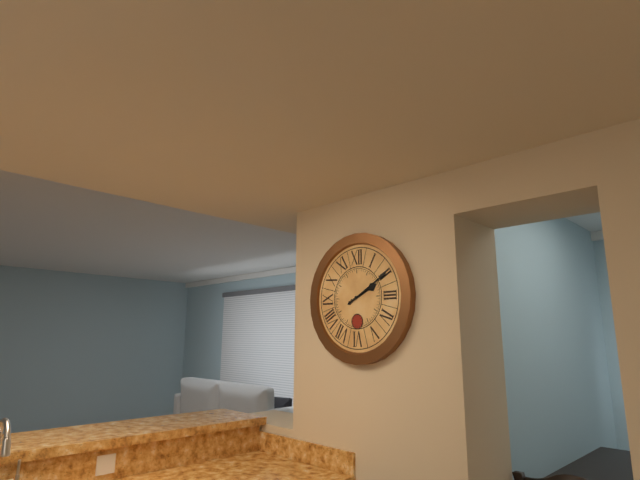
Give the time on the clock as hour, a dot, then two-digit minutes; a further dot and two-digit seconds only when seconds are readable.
2.10
